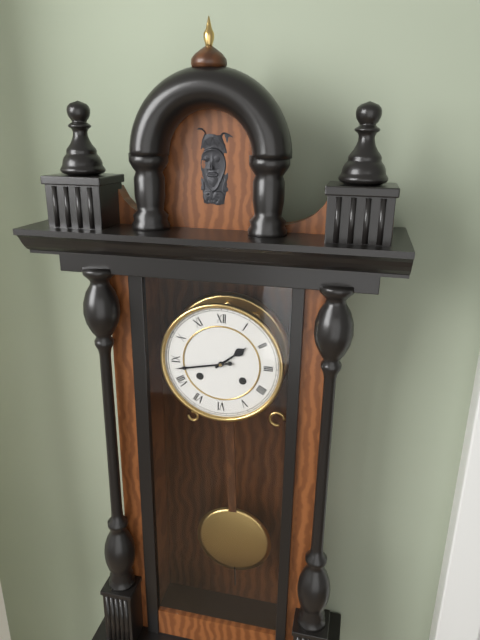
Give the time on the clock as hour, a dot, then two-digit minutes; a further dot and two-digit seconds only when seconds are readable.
1.43
